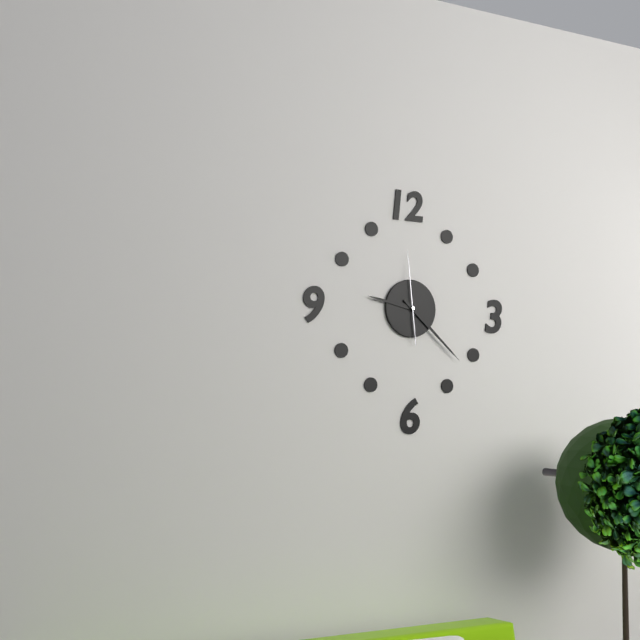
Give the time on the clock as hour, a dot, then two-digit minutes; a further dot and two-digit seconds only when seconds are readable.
9.22.59
